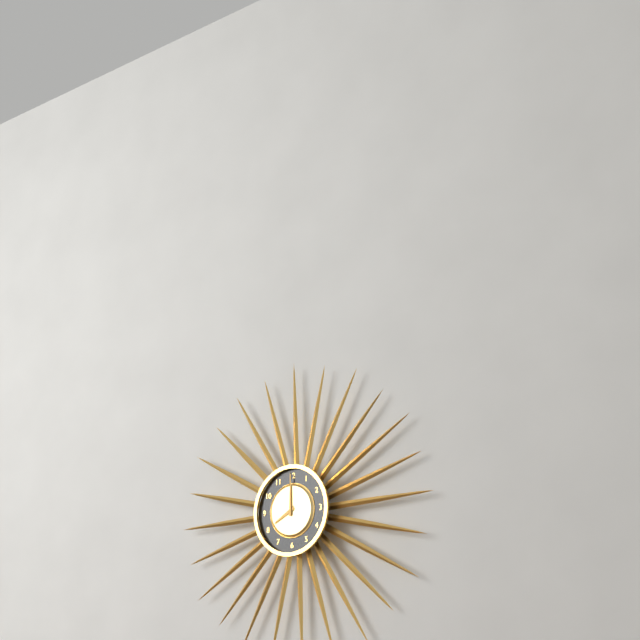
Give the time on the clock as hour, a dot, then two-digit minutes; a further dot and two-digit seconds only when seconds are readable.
8.00
